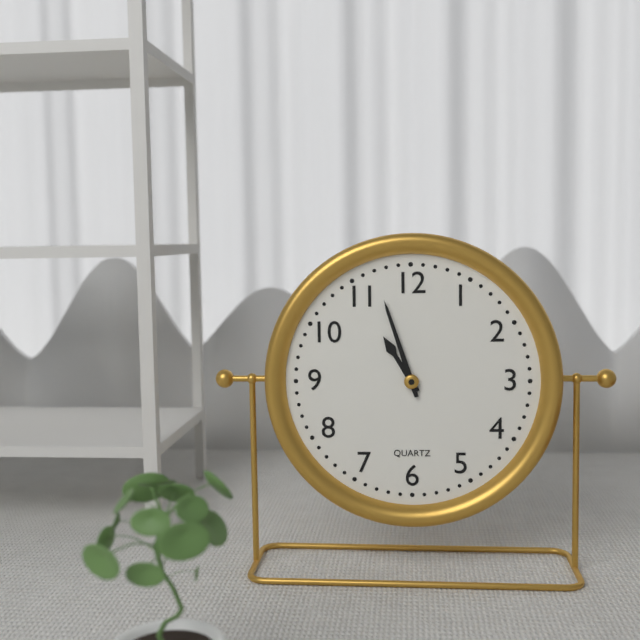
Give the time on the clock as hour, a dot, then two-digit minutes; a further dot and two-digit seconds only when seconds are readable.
10.57
